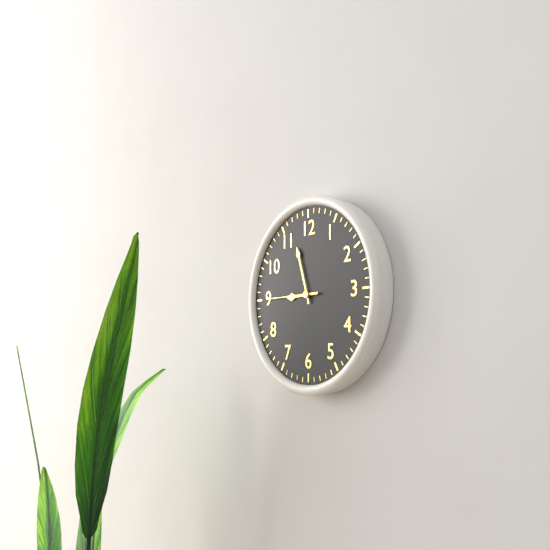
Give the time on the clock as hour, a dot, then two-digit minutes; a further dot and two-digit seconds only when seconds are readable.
8.57.45
